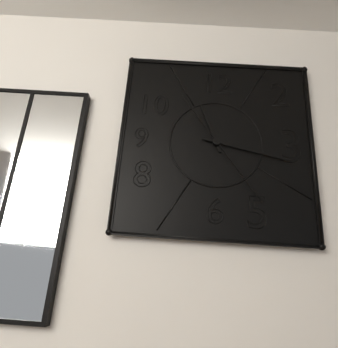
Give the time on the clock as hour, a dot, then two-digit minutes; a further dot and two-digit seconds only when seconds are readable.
11.17.24
